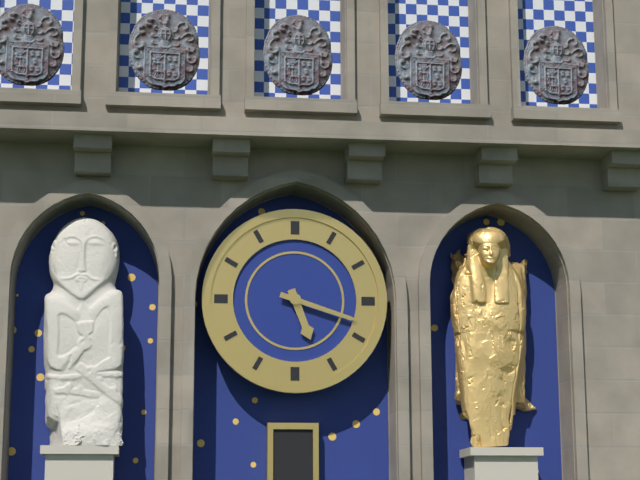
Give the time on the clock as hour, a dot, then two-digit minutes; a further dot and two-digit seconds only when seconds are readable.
5.18
